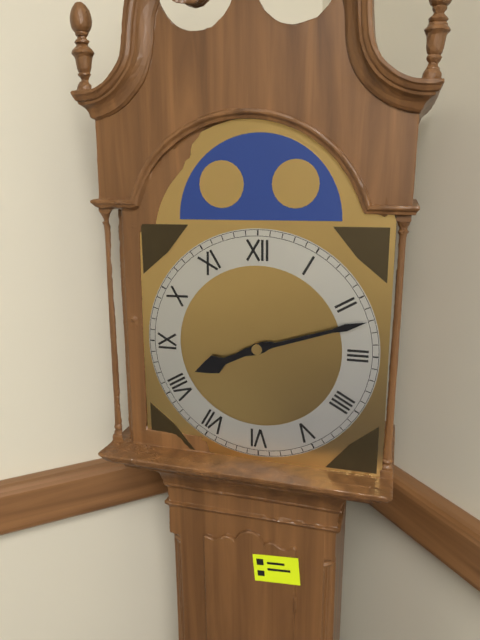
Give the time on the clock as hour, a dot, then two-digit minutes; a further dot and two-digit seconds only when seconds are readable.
8.12
